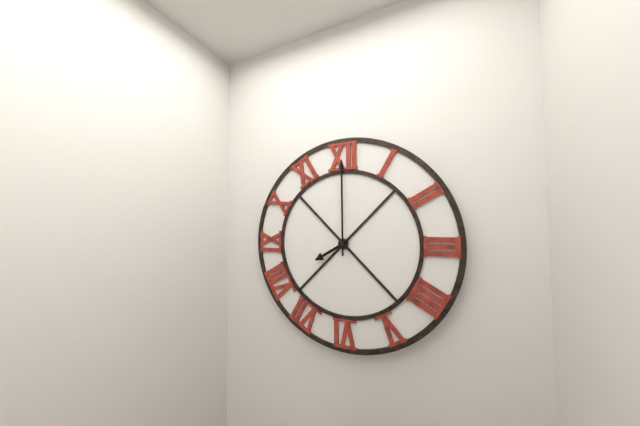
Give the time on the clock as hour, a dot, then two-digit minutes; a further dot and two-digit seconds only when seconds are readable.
8.00
